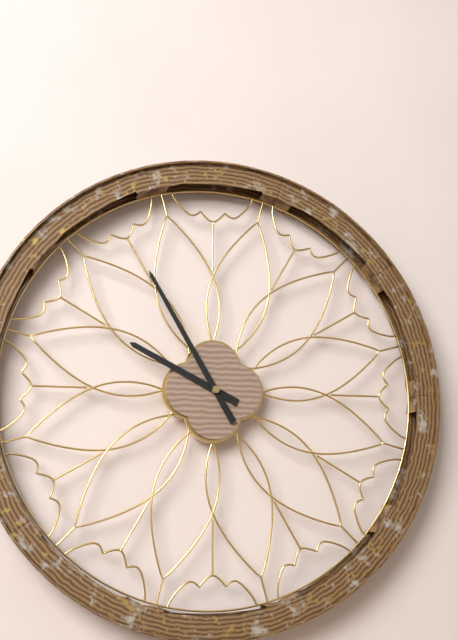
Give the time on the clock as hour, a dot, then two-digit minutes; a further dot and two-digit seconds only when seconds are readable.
9.55
